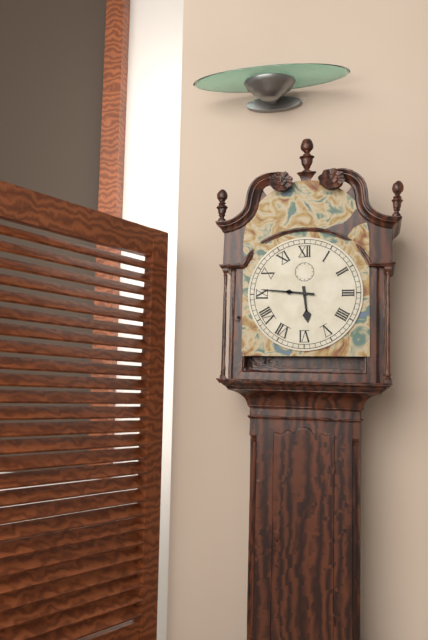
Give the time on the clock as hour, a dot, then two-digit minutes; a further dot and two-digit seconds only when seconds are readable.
5.46
